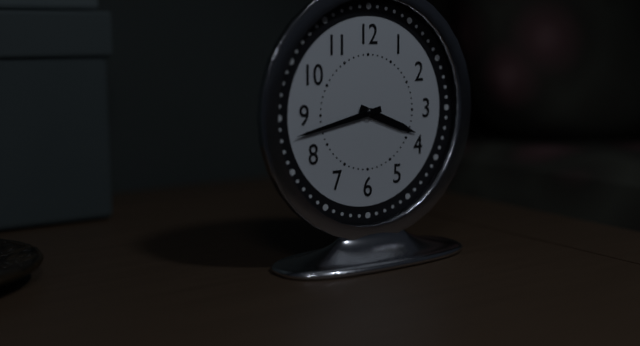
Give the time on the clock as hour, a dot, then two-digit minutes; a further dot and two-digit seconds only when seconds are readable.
3.43
